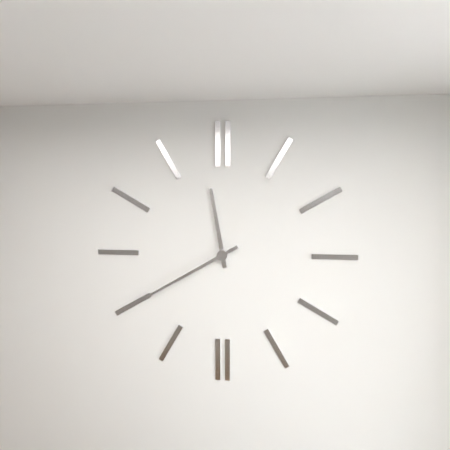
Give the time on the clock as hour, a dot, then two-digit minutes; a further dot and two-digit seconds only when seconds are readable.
11.40
